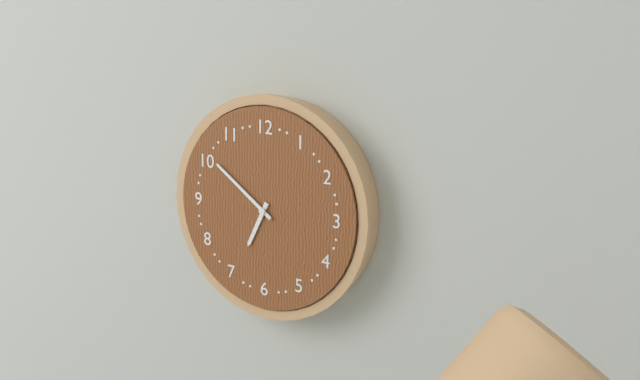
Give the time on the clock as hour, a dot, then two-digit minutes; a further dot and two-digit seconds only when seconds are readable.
6.51
